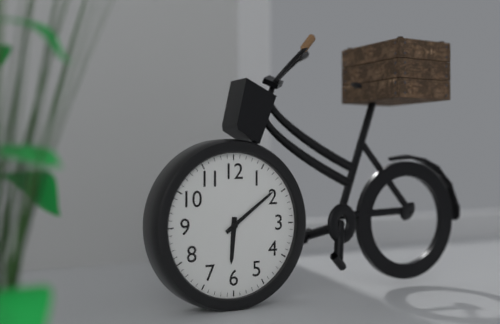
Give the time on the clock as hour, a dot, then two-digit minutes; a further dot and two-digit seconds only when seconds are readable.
6.09
